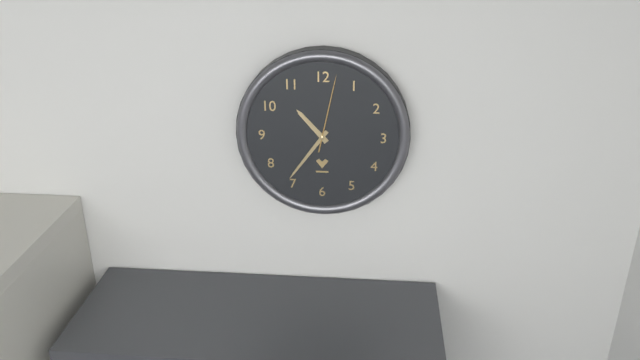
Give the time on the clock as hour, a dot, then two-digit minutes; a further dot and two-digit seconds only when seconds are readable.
10.36.02
